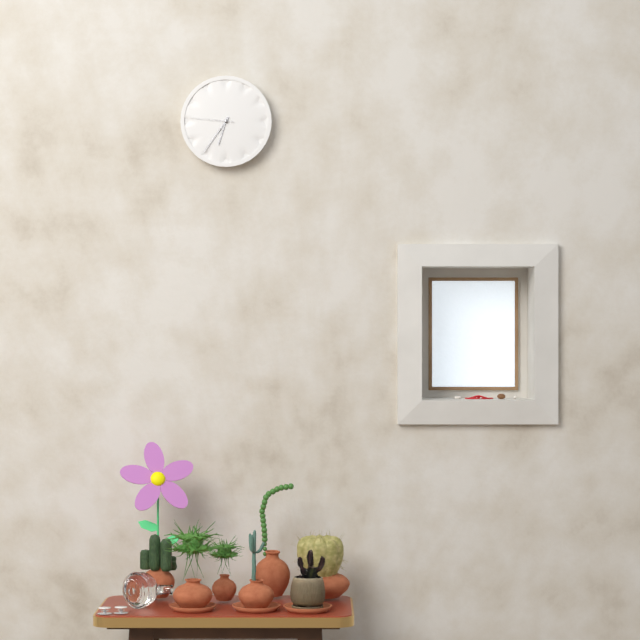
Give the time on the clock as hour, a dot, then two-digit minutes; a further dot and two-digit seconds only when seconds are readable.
6.36
